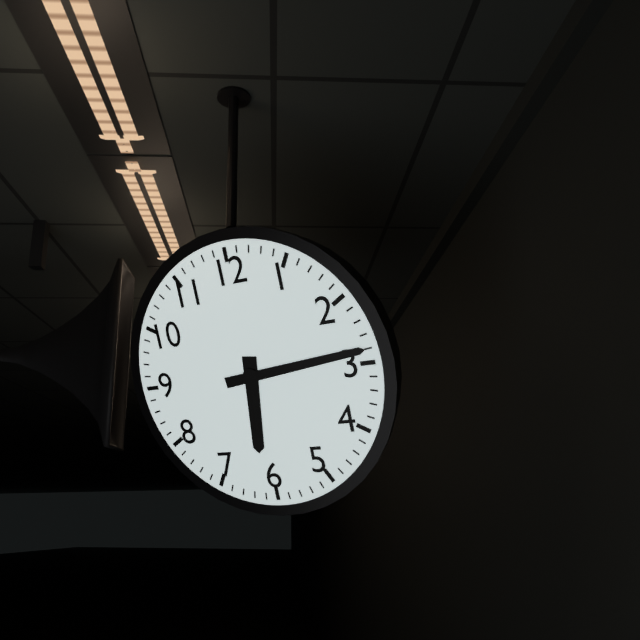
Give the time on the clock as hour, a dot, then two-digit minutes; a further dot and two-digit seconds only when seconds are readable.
6.14
